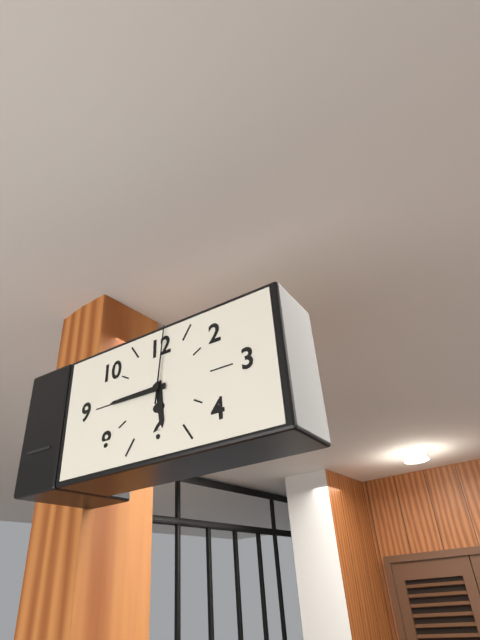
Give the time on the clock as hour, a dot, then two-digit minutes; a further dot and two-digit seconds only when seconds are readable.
5.45.01
